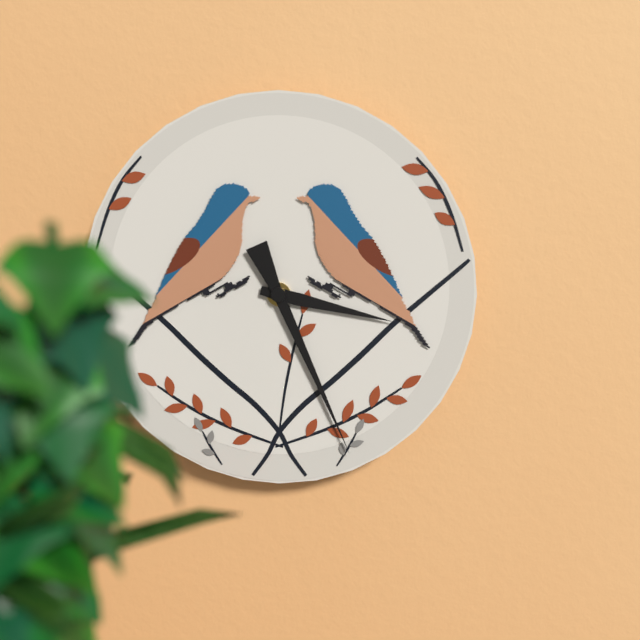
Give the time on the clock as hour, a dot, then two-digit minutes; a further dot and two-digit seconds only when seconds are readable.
3.26
